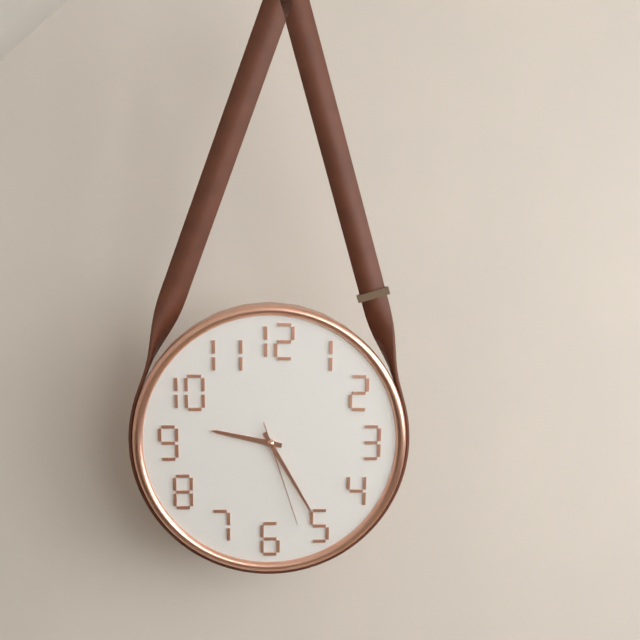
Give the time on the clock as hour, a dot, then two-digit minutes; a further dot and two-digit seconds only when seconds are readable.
9.25.27
